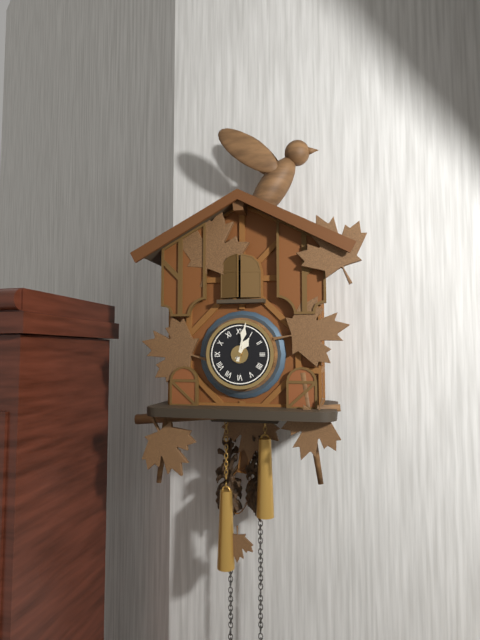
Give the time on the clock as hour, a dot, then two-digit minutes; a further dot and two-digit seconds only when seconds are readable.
1.02
